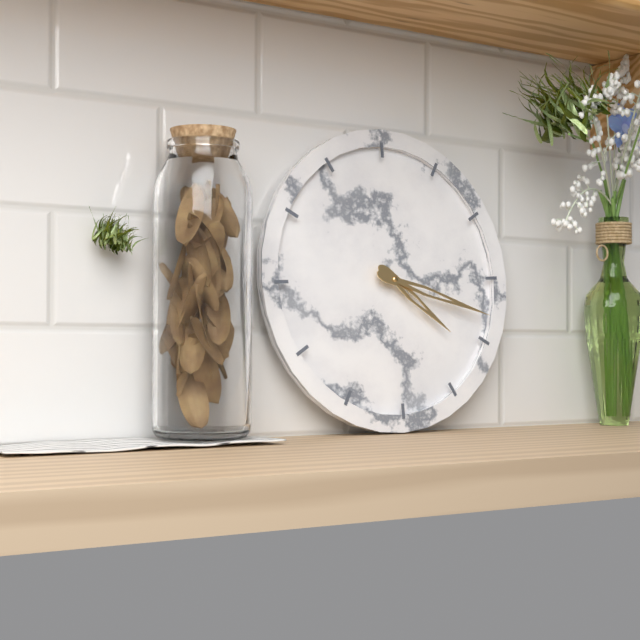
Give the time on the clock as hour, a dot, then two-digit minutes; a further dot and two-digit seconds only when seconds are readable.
4.18
